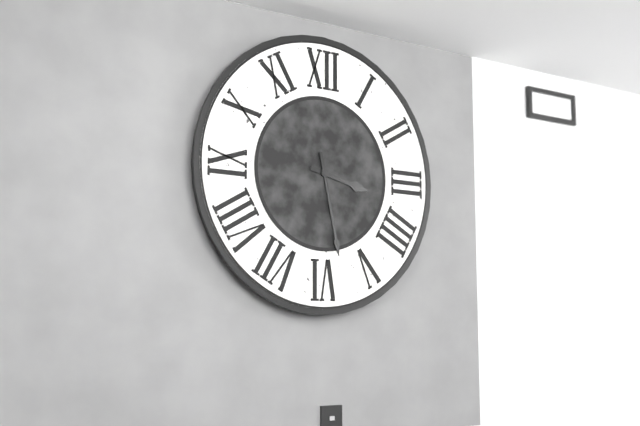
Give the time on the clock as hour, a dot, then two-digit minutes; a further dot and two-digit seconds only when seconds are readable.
3.28
